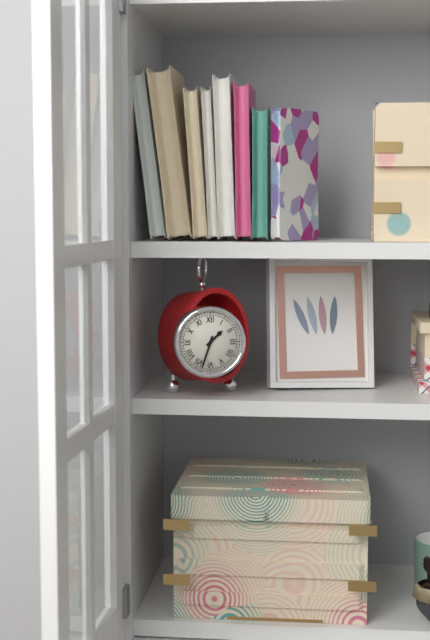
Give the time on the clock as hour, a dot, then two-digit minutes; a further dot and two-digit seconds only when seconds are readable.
1.33
